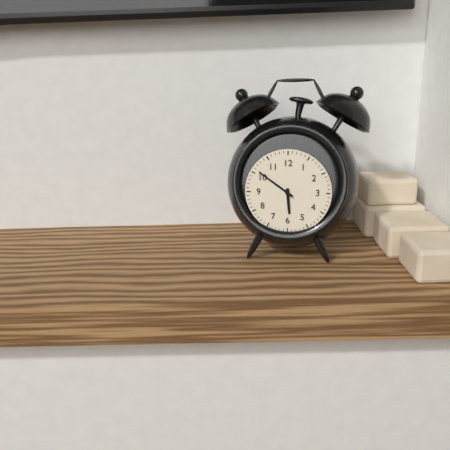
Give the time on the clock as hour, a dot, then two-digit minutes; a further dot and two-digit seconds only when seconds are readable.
5.51
